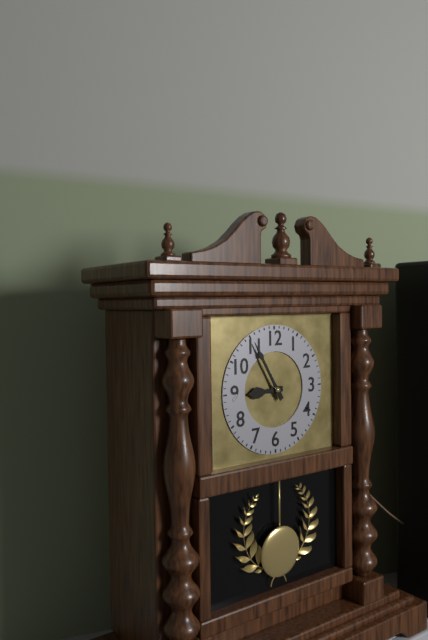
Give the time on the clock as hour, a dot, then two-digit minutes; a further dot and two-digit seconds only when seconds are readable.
8.55
